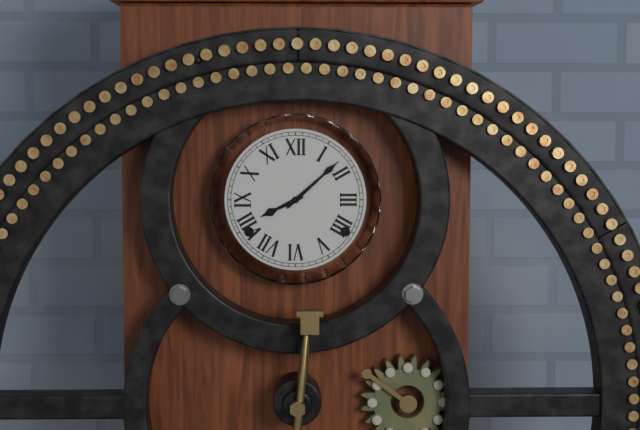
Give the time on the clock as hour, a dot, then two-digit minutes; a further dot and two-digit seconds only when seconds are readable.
8.08
